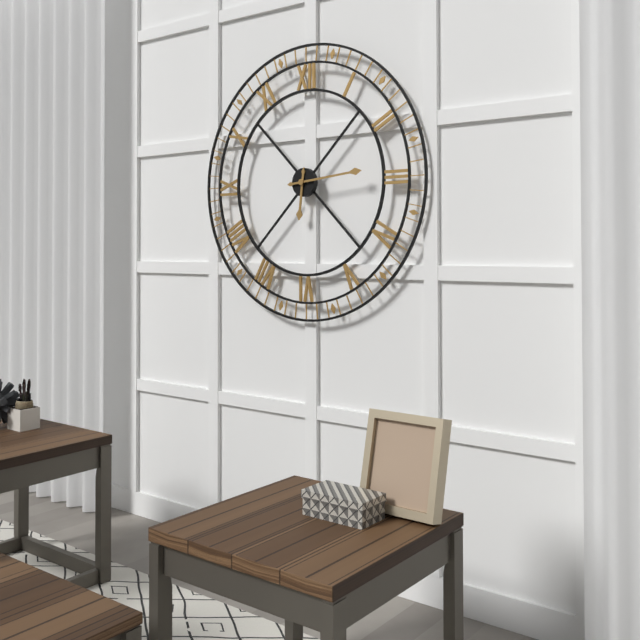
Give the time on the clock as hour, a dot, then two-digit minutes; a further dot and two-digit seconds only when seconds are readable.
6.14
